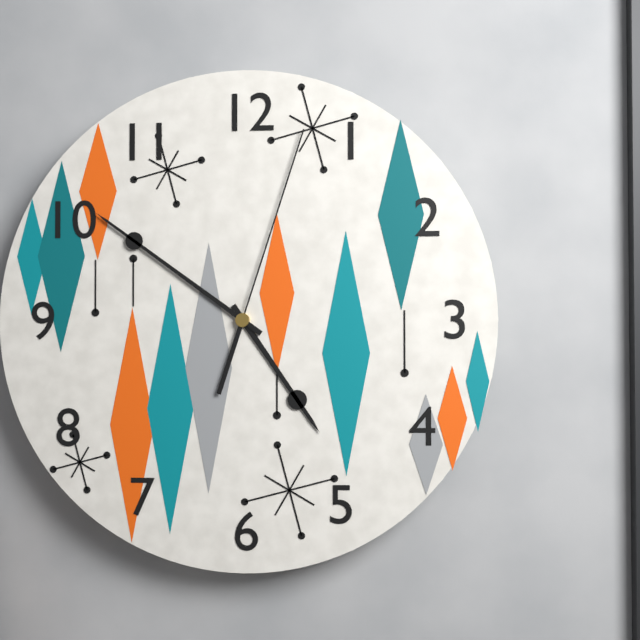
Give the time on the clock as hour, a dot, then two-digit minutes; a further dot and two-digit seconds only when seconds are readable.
4.51.03
